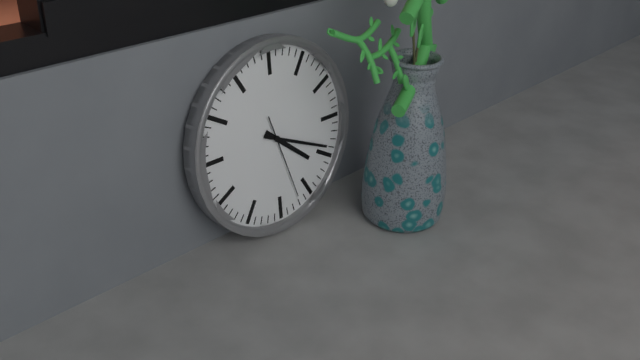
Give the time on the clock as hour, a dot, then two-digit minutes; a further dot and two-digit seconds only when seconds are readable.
4.19.27
